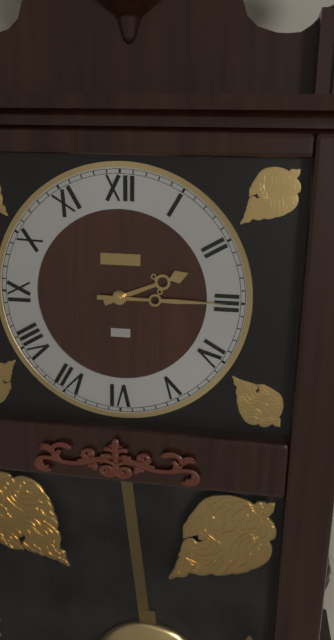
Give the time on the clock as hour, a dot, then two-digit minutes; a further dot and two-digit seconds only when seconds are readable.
2.15
